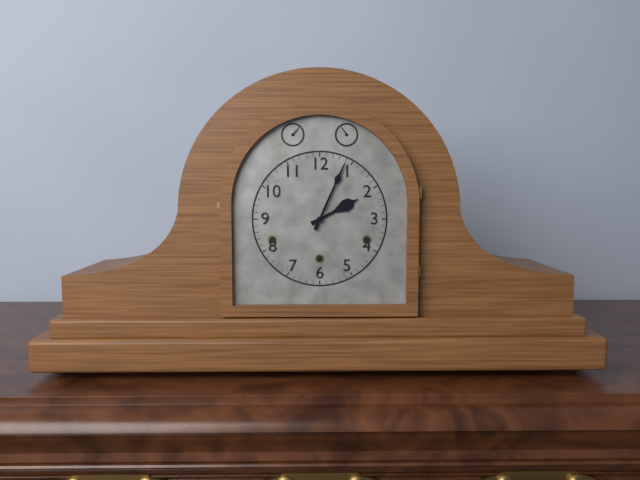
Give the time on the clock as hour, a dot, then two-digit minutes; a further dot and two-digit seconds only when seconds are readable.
2.04
